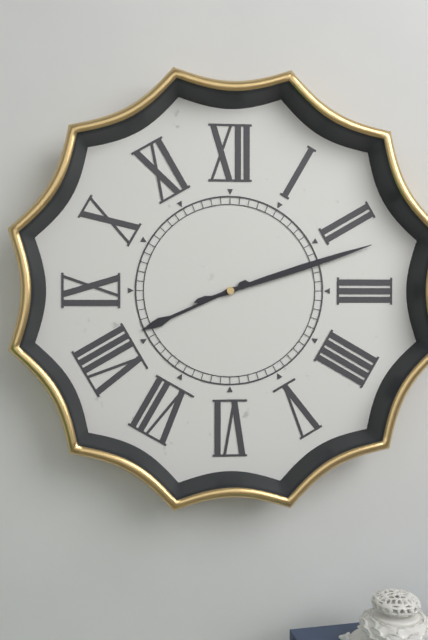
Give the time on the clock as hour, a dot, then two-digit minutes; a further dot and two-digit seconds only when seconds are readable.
8.12
